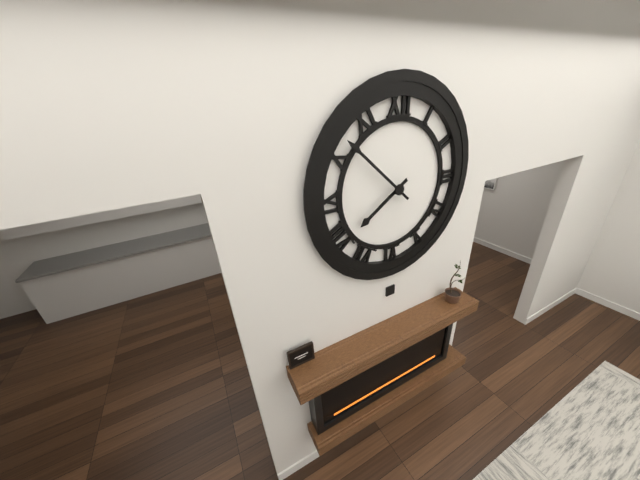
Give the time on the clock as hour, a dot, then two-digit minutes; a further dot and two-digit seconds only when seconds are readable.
7.52
